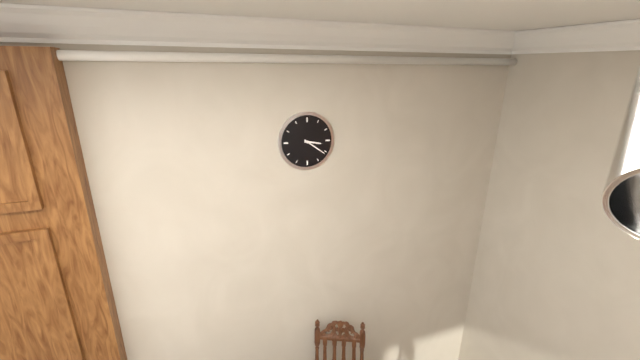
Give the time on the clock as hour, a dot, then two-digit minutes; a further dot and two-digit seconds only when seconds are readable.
3.21
